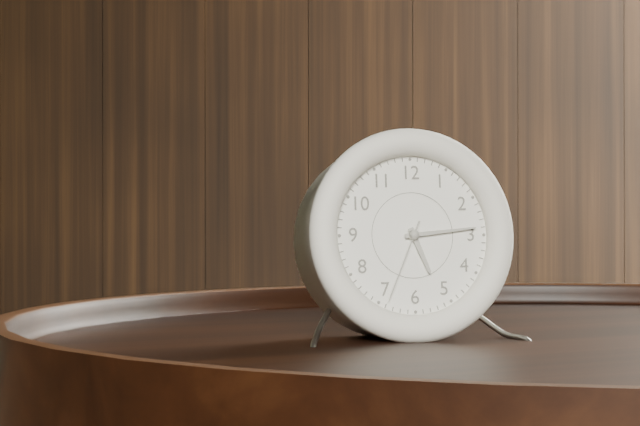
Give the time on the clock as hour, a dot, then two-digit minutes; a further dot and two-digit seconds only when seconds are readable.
5.14.34
